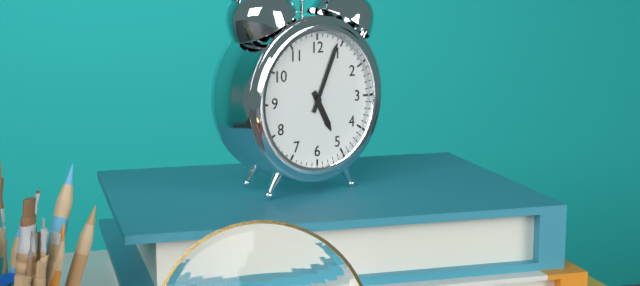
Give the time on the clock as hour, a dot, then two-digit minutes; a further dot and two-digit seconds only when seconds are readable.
5.04
